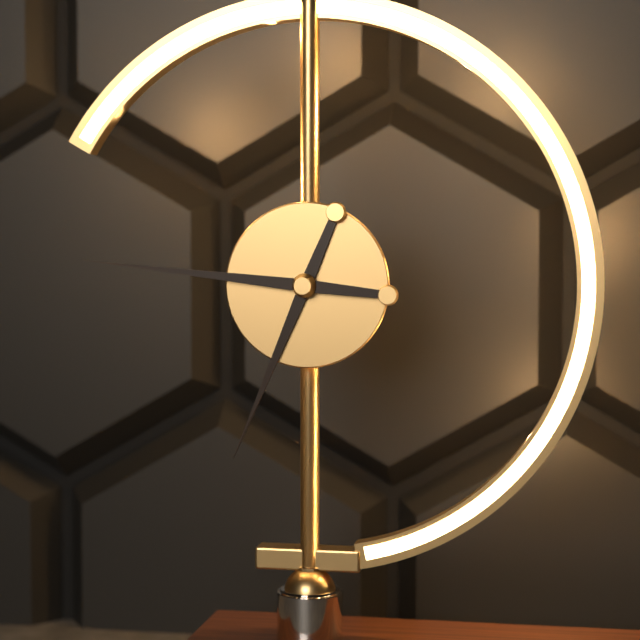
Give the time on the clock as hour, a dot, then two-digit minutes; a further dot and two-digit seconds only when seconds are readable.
6.46
